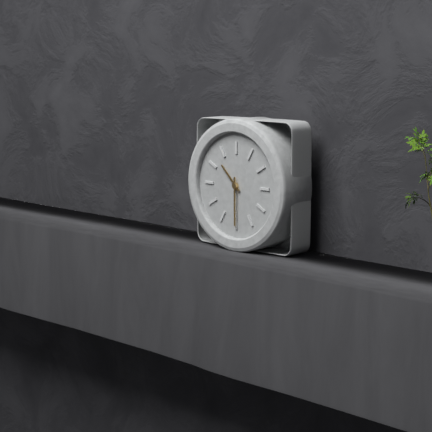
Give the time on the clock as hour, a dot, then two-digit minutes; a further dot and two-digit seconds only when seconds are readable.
10.30
